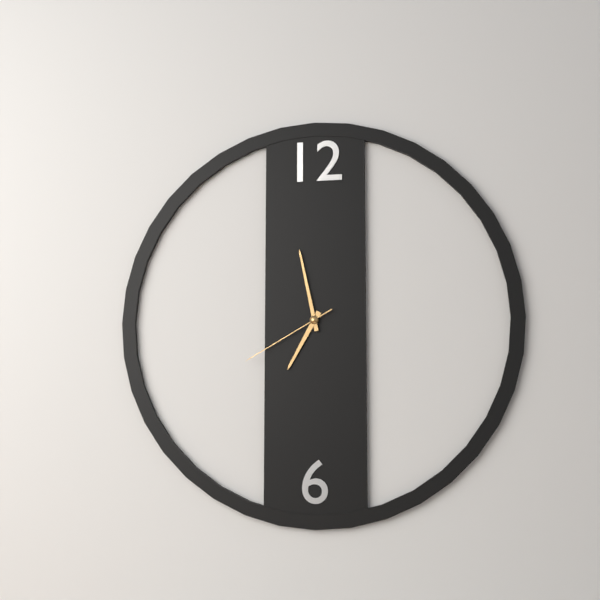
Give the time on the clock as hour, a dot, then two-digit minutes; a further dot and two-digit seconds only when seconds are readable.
6.58.40
